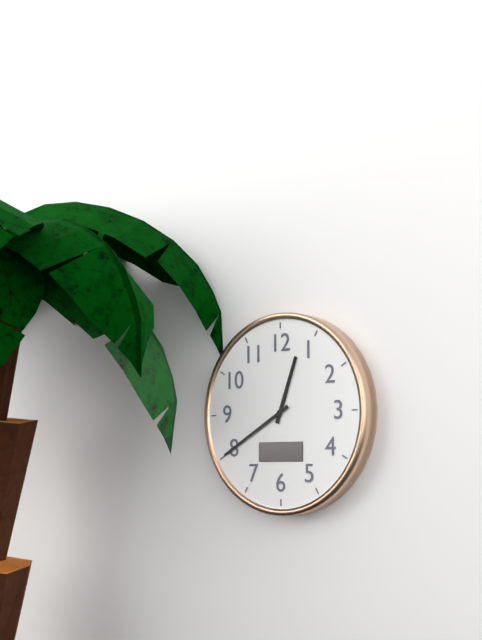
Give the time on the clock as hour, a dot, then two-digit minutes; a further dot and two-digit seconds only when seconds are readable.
12.40
